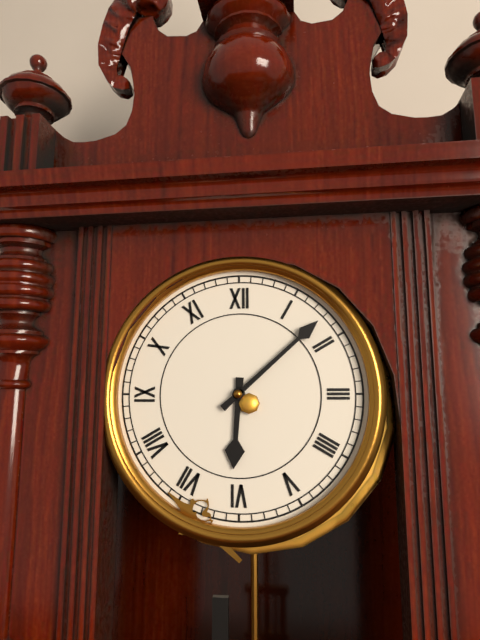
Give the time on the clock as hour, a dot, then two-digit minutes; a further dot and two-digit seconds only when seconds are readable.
6.08
